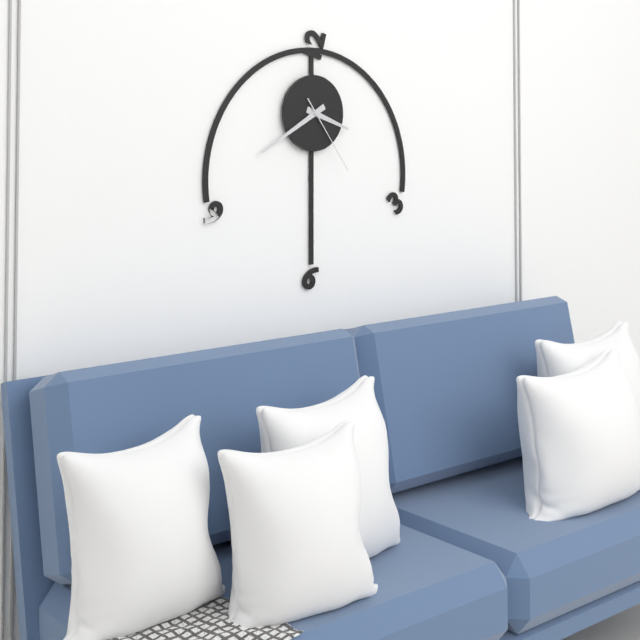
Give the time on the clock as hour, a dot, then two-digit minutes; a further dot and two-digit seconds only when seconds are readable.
3.40.24
